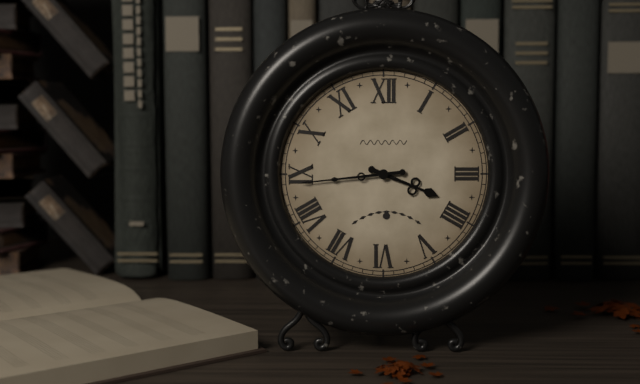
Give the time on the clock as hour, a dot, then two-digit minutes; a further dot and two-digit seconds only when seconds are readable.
3.44
